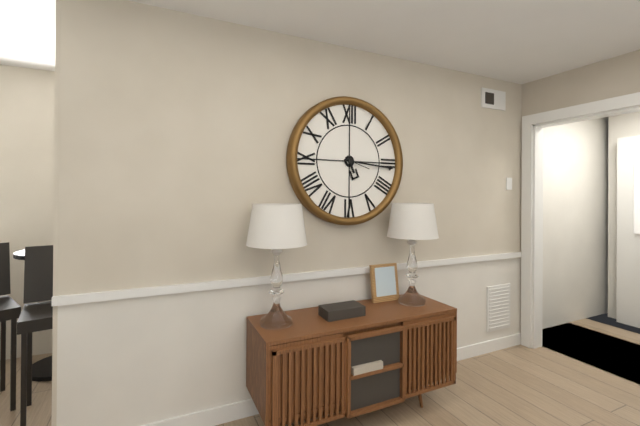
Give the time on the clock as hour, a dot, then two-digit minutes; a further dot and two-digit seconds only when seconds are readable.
5.16
